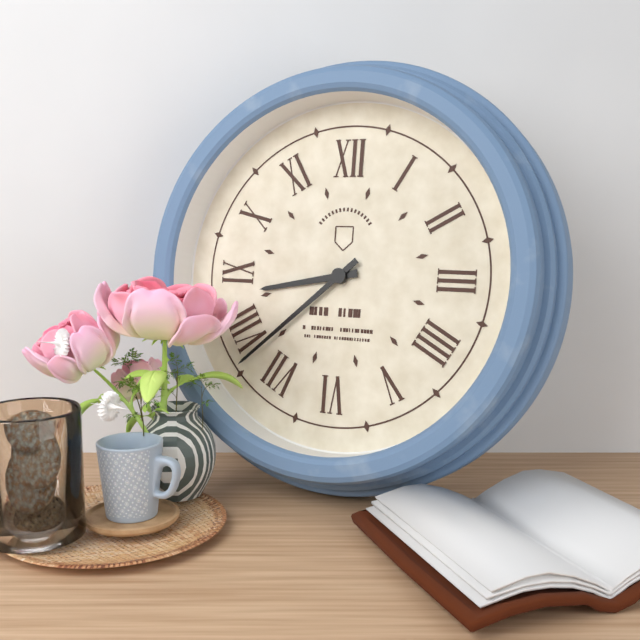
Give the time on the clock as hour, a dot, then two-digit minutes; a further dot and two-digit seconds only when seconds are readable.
8.38
